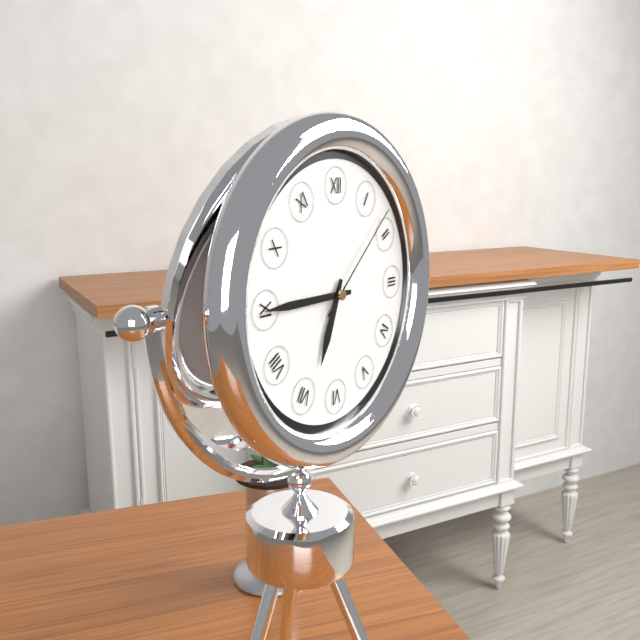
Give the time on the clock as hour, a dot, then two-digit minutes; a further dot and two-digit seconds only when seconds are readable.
6.45.08
